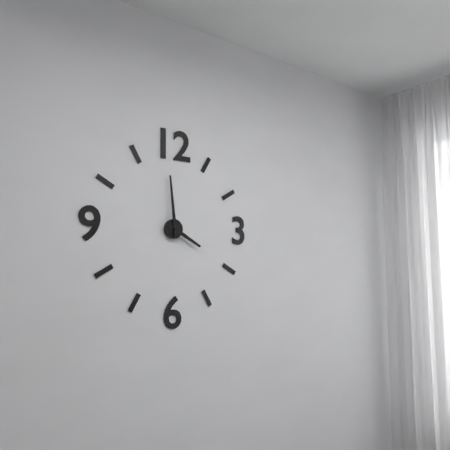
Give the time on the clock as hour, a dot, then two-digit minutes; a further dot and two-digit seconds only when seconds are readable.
3.59
